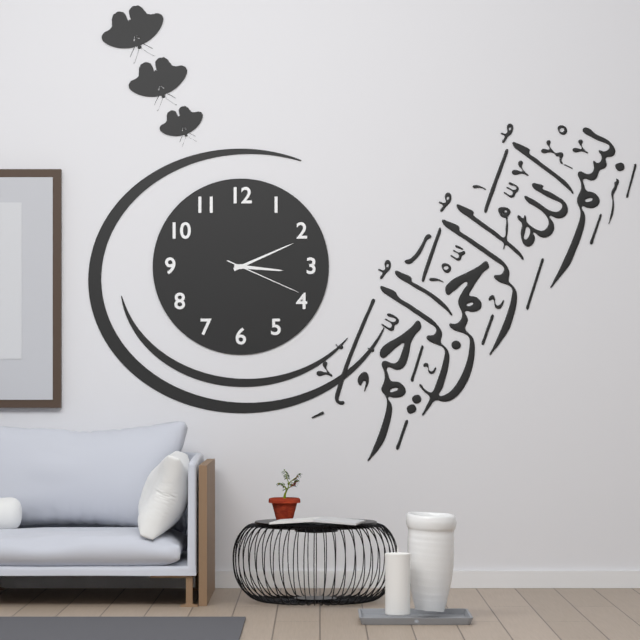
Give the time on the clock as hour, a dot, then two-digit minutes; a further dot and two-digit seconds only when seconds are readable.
3.11.19
